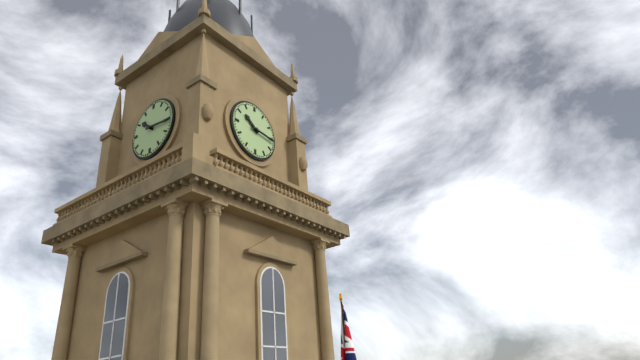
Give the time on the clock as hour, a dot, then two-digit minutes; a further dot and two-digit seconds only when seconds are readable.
10.16
